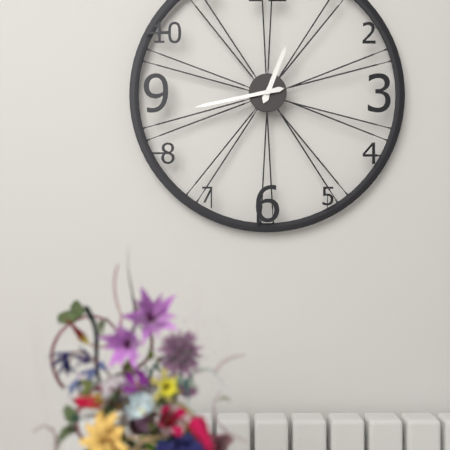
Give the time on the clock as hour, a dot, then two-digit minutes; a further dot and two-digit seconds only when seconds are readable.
12.43
